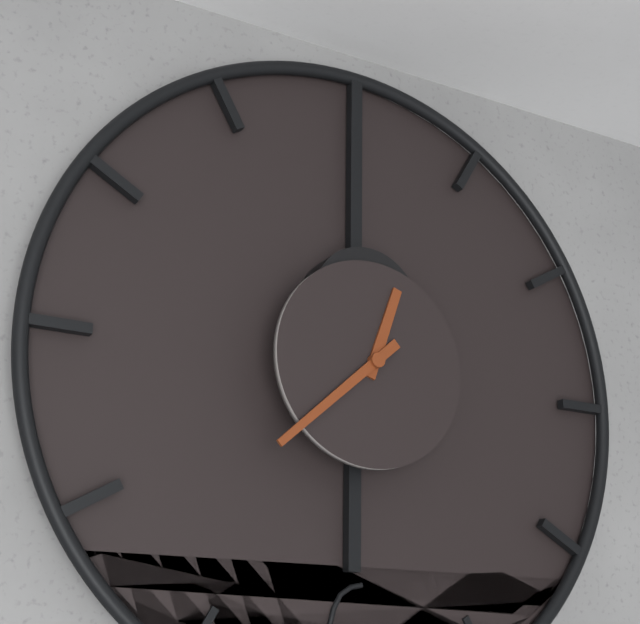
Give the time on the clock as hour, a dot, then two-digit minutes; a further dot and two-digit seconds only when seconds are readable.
12.38
